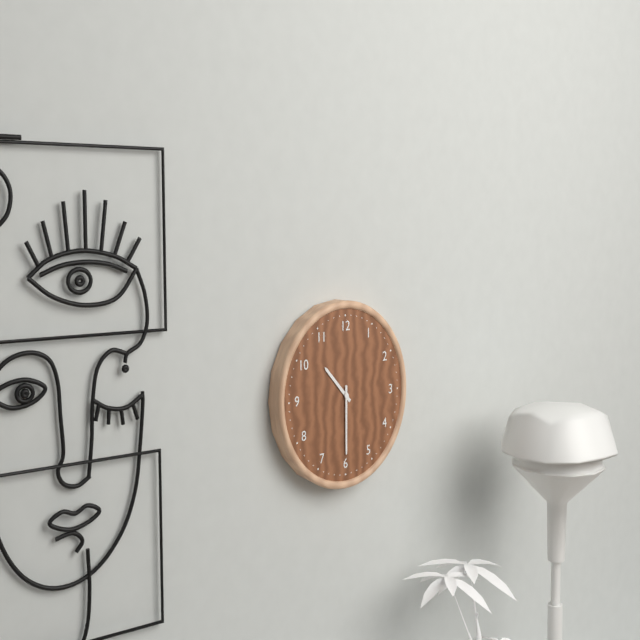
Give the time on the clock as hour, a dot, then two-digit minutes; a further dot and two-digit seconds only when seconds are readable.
10.30
